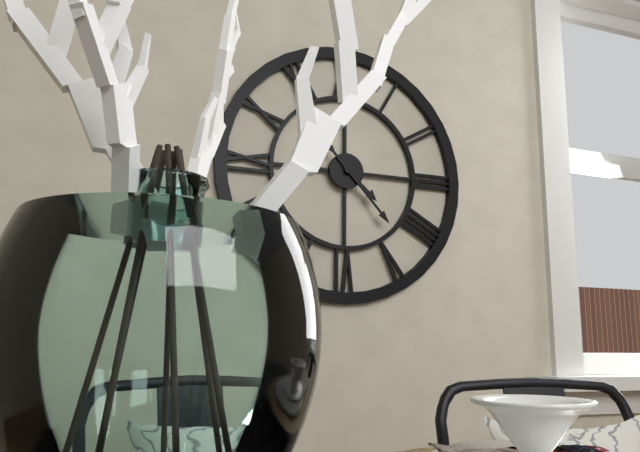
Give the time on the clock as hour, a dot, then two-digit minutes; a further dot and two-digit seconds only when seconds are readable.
4.23
